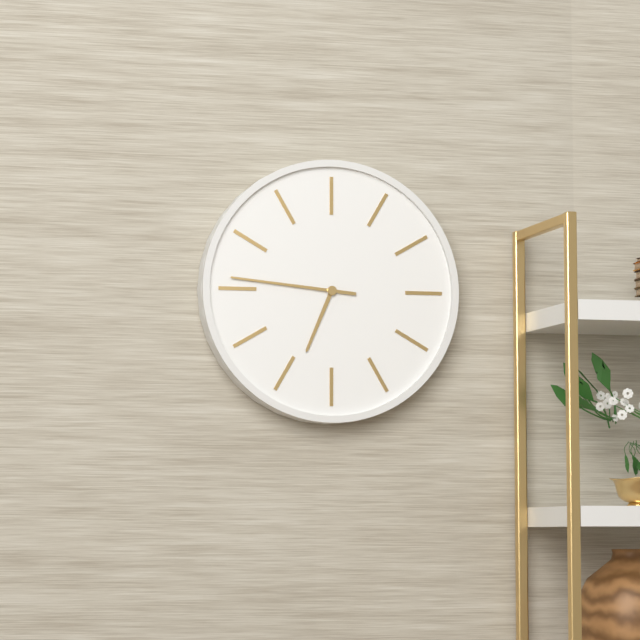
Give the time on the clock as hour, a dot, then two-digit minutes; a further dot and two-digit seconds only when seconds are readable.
6.46
